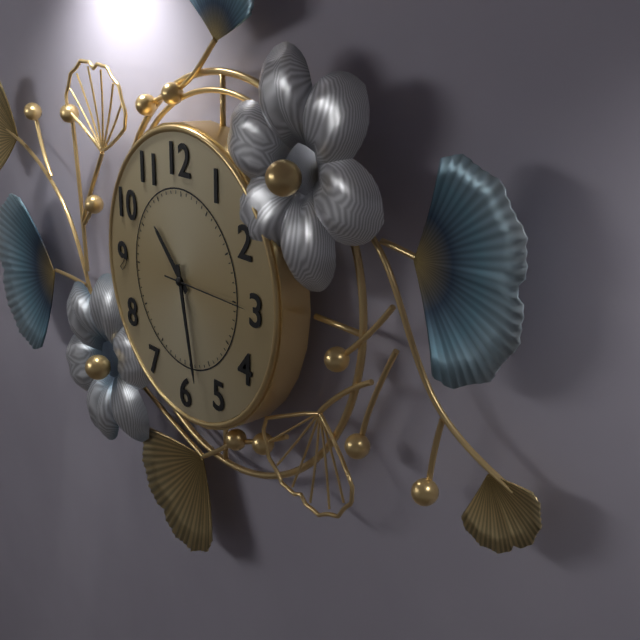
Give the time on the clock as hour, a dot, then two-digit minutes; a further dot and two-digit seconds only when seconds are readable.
10.28
